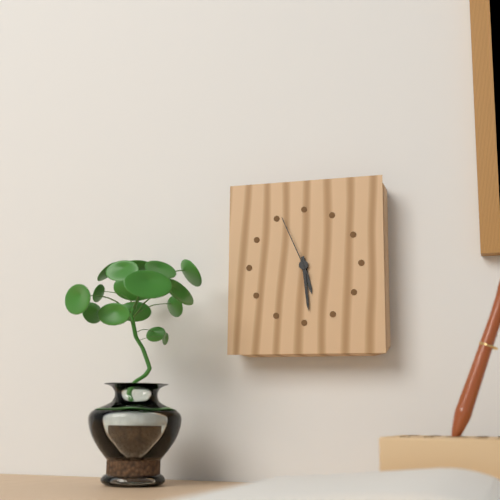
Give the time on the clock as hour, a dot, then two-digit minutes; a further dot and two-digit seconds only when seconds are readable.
5.29.56
